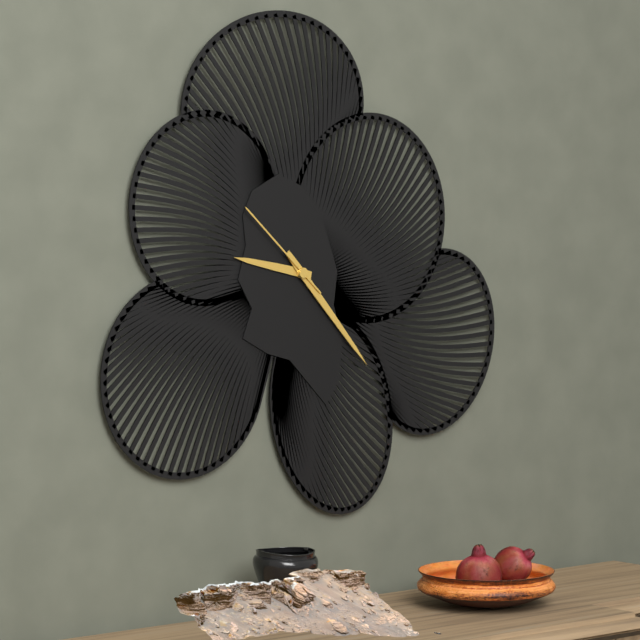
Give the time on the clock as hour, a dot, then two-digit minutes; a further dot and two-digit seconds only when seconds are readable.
9.23.52
